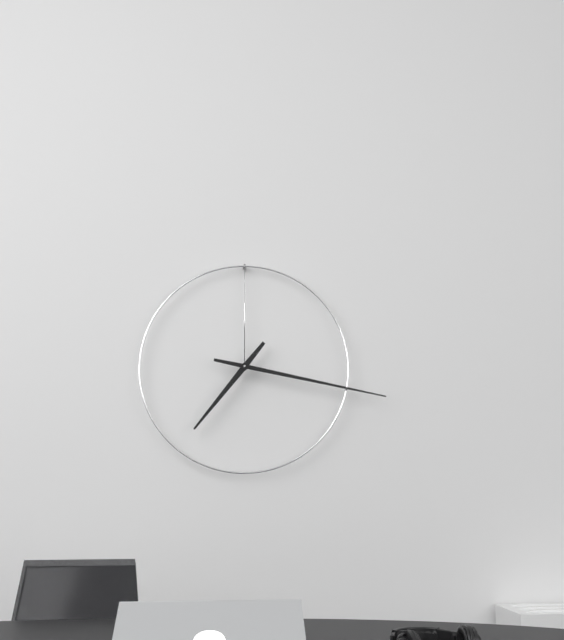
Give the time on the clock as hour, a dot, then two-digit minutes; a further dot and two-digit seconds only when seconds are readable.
7.17
